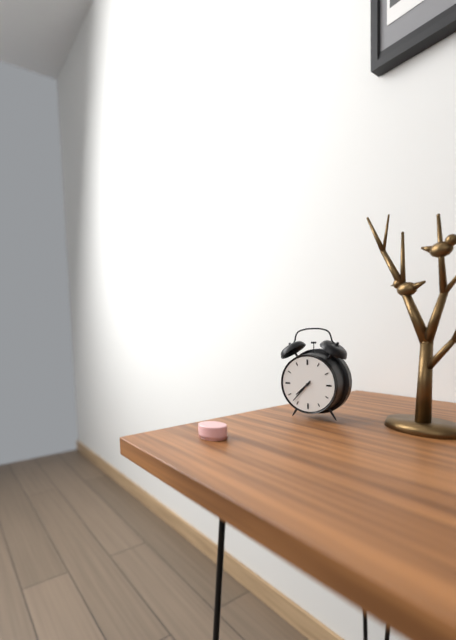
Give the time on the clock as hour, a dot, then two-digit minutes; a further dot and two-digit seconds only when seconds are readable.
7.37
